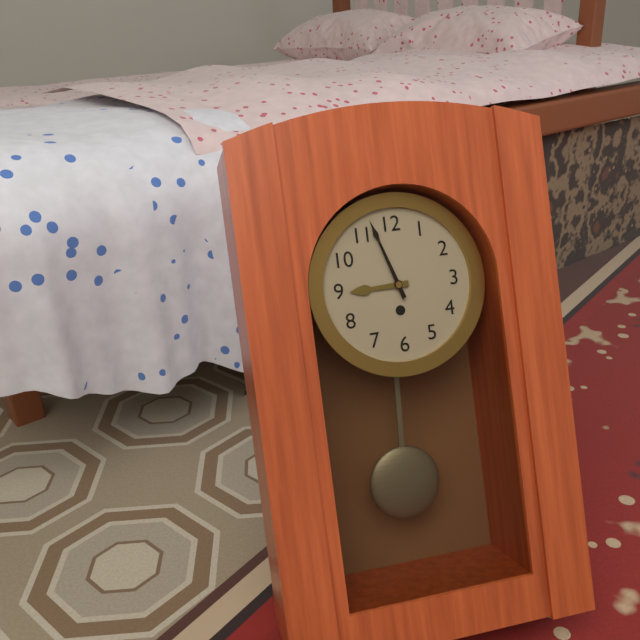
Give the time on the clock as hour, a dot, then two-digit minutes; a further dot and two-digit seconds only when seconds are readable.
8.57
